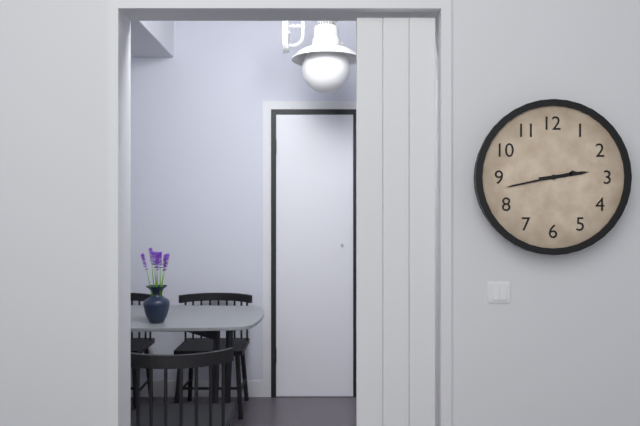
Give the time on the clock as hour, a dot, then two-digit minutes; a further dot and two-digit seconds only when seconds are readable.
2.43
